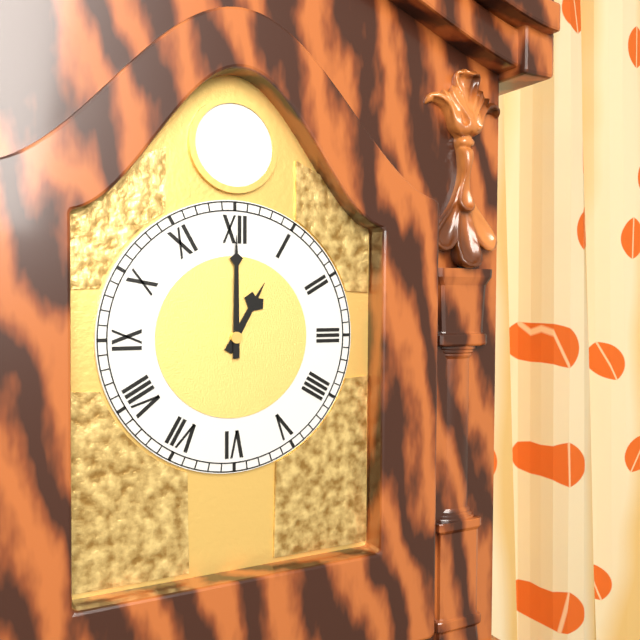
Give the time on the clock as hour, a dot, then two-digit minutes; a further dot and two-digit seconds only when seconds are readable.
1.00
